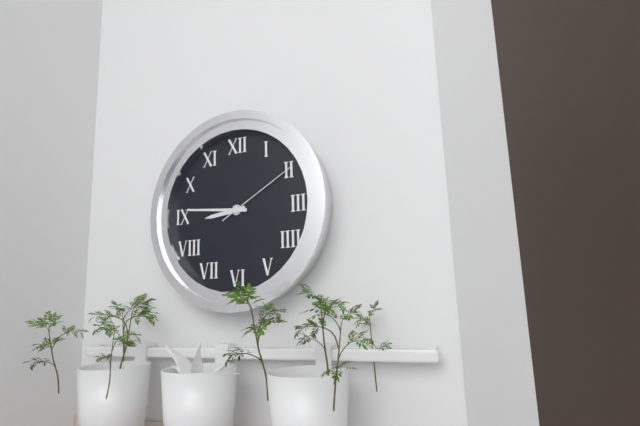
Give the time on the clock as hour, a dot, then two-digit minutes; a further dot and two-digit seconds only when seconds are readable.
8.46.10
